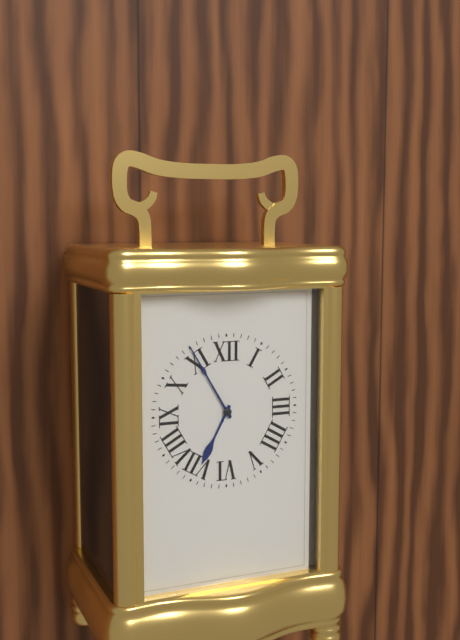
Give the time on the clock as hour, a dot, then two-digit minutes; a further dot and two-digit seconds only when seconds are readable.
6.55
